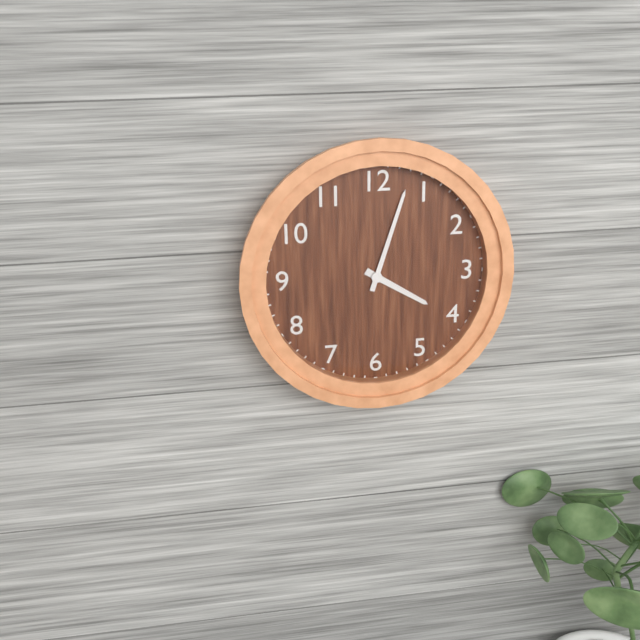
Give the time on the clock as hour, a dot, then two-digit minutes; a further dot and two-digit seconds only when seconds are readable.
4.03
